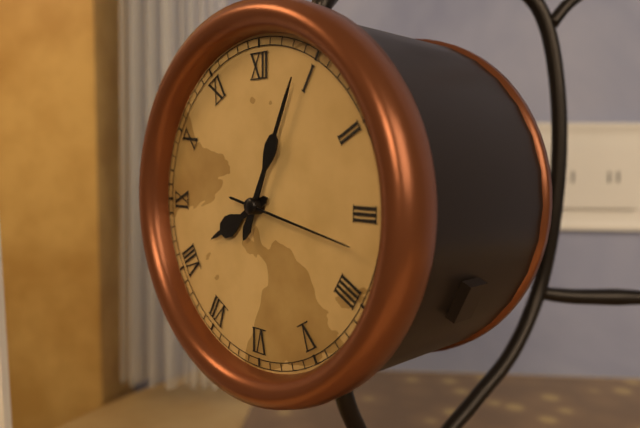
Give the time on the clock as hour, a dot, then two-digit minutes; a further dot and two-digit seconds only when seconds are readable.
8.04.17
